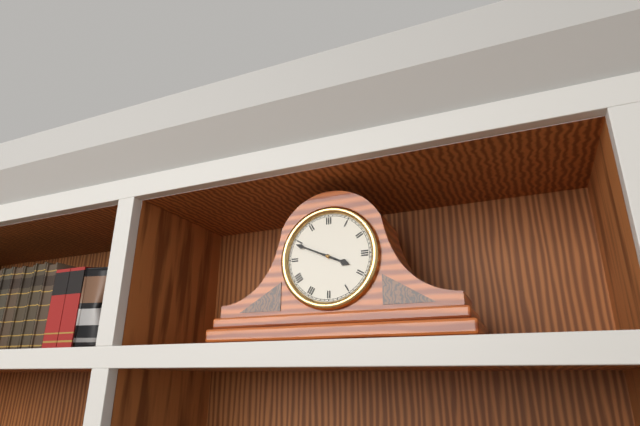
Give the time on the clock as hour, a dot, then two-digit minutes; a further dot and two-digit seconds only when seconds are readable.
3.49
